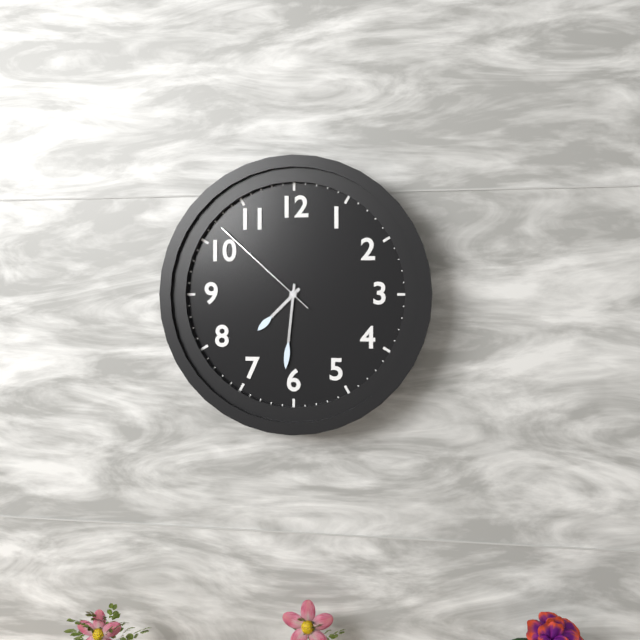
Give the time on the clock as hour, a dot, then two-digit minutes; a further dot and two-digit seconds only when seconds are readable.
7.31.52
